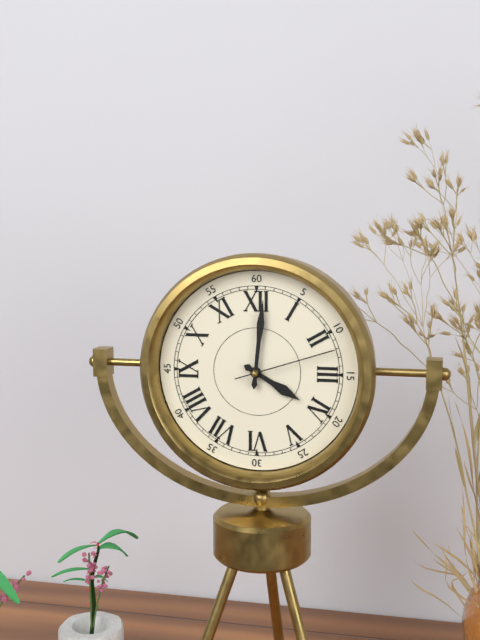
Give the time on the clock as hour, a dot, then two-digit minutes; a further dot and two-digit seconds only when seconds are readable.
4.01.12
